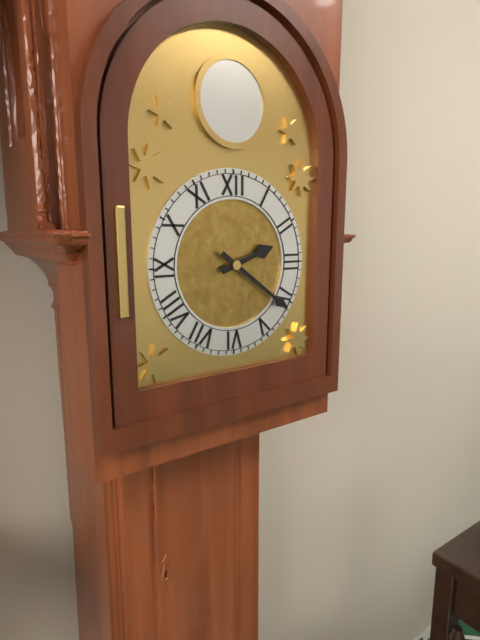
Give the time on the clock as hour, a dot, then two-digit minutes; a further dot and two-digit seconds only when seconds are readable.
2.21
